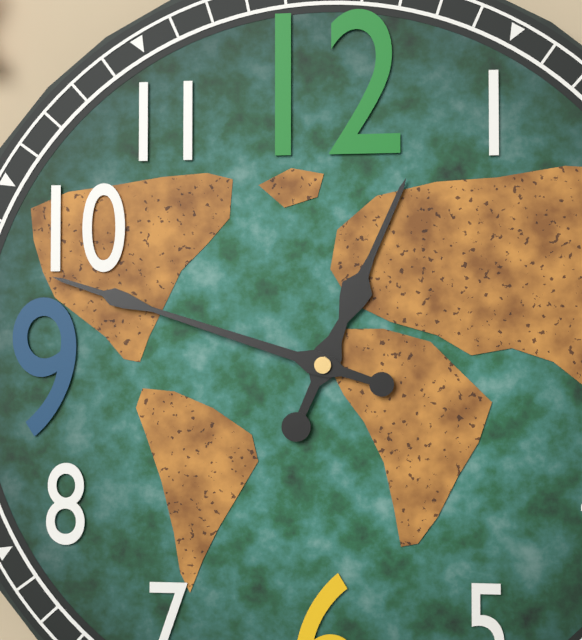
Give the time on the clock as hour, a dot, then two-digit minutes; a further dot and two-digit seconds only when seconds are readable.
12.48
